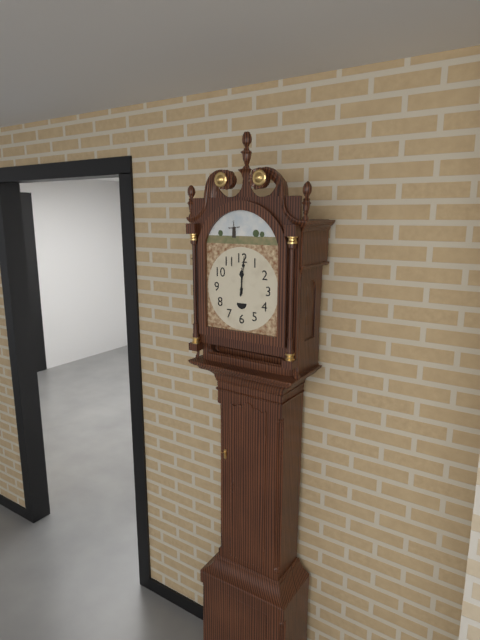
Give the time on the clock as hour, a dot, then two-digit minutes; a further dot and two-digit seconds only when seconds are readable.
12.01
